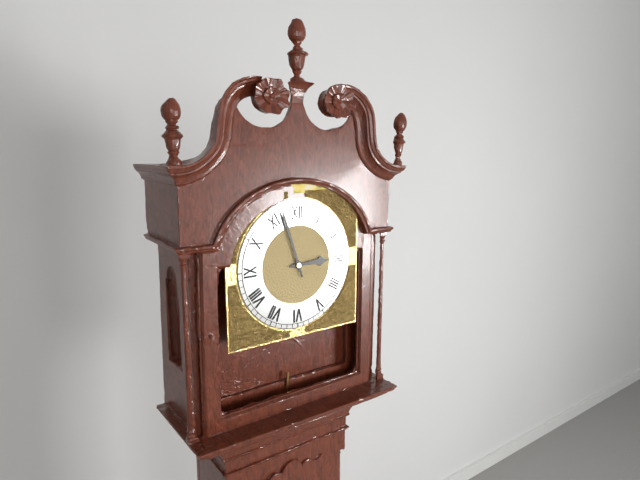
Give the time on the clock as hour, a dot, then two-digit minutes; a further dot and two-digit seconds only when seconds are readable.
2.57
